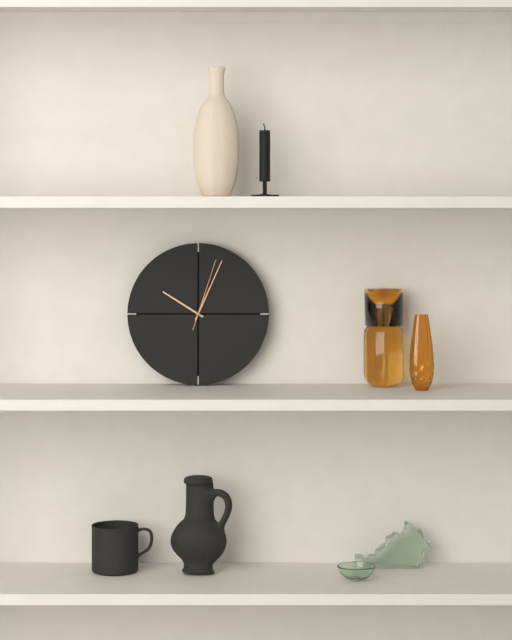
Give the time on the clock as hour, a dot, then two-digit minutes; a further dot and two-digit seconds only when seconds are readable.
10.04.03
